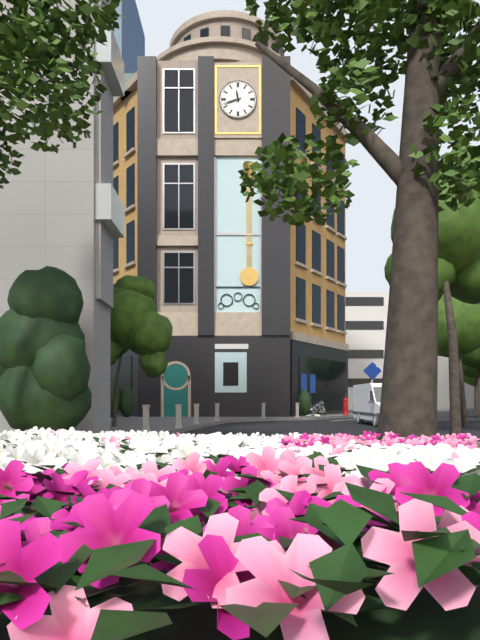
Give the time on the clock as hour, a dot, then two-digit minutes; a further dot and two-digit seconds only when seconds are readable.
11.42
